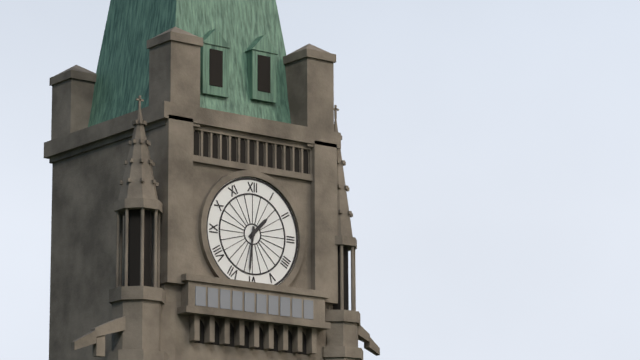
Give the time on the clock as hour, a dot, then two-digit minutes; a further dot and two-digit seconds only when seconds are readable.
1.31
